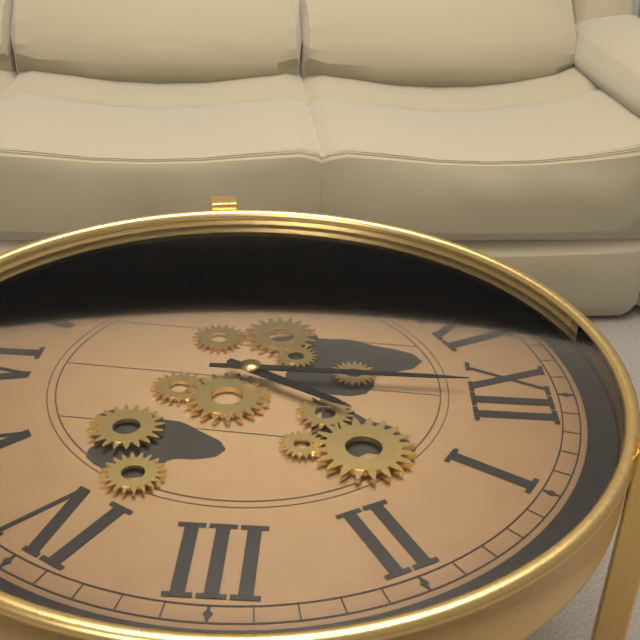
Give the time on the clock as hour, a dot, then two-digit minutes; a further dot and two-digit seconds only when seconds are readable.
1.00
